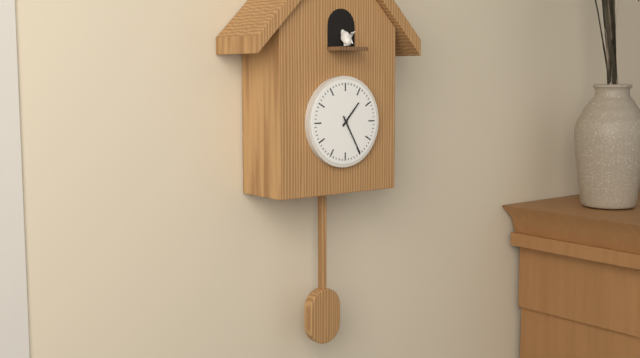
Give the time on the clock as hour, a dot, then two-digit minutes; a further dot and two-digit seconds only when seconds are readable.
1.25
